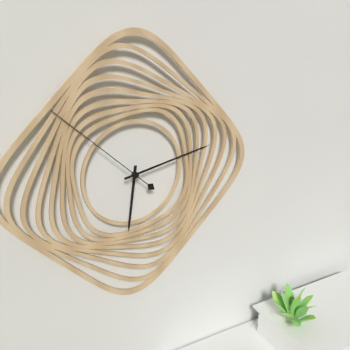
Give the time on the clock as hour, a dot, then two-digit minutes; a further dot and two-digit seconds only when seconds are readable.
6.13.52
